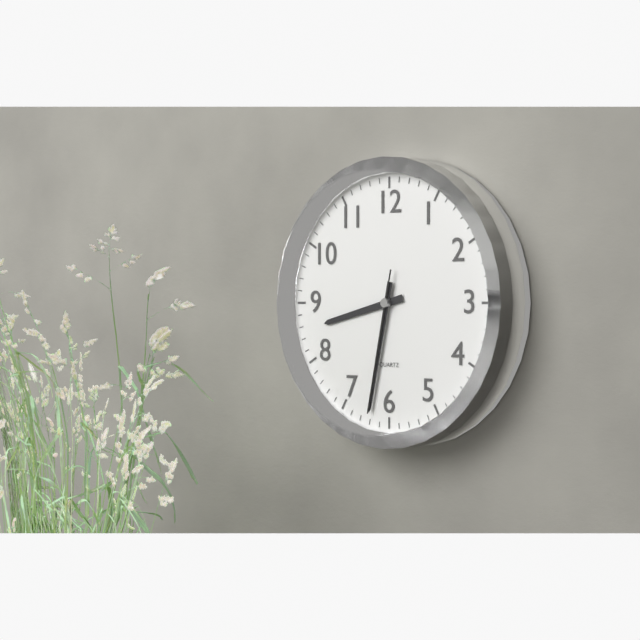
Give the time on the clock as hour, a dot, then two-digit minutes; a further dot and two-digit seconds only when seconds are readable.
8.32.32
